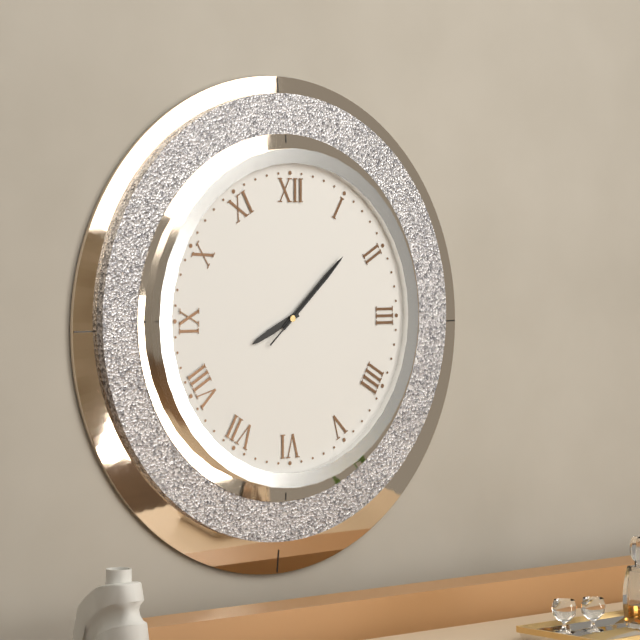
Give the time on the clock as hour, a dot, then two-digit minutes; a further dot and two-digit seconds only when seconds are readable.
8.08.08
